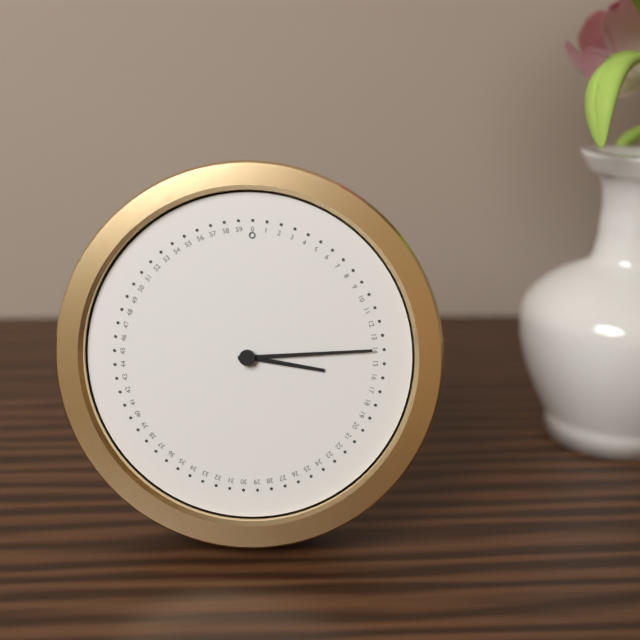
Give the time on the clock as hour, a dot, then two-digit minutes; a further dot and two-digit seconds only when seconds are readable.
3.14
